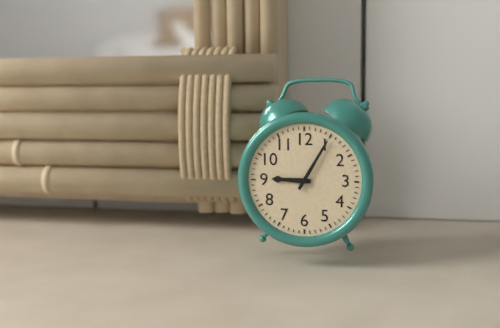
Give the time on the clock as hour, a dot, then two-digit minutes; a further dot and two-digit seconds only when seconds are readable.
9.05
